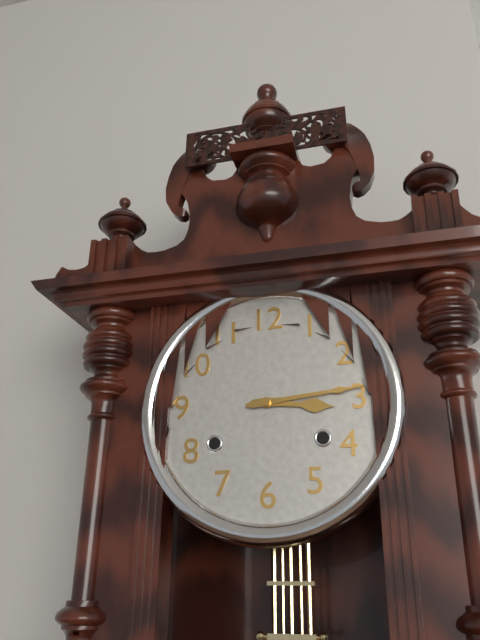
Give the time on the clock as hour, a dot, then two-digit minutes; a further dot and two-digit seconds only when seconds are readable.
3.14
